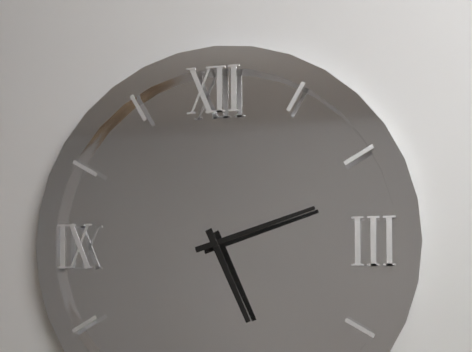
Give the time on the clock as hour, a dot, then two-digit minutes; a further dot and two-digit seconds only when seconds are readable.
5.12
